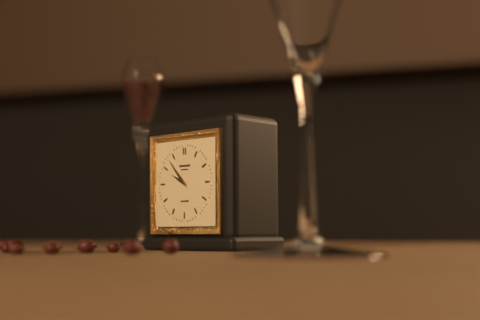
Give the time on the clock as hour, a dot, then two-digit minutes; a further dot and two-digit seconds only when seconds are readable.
9.53
